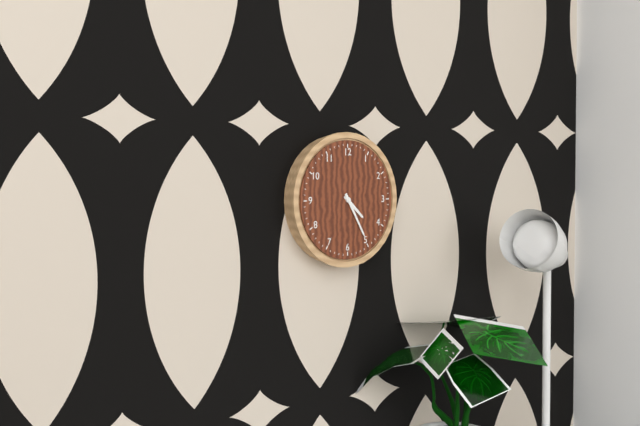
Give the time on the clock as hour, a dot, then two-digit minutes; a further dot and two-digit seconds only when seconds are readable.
4.25
